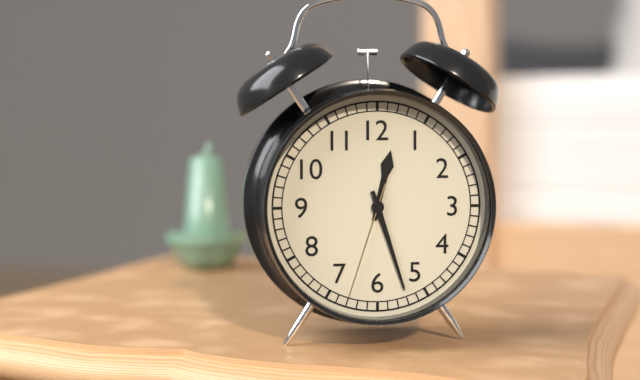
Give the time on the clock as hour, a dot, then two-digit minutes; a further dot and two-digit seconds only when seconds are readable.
12.27.33
